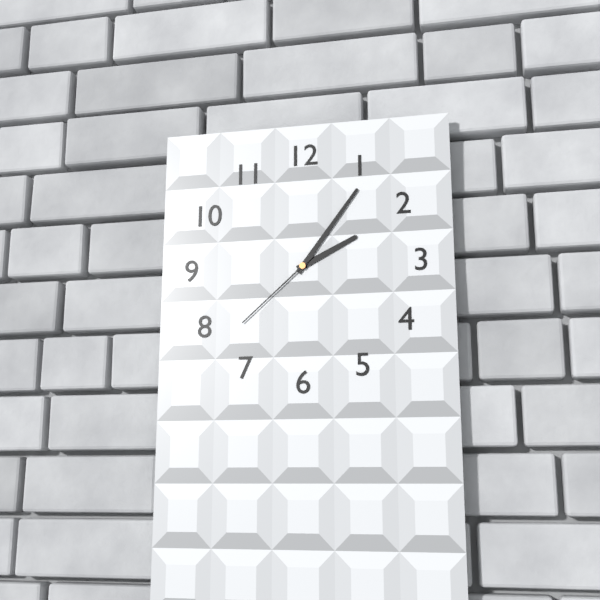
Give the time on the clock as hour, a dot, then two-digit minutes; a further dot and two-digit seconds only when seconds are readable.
2.06.38
